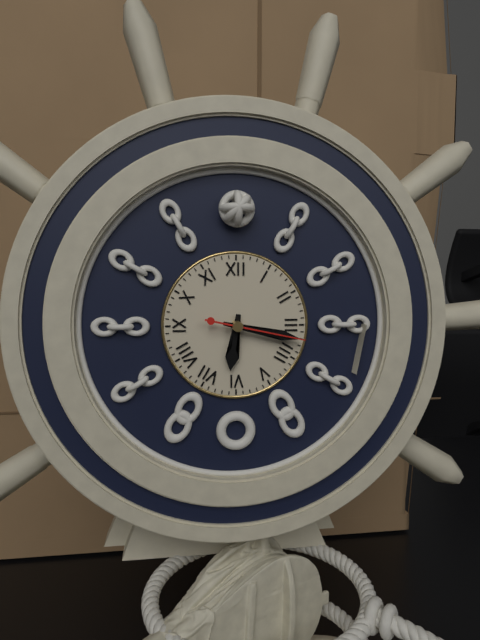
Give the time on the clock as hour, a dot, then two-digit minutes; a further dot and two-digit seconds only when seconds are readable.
6.17.17
